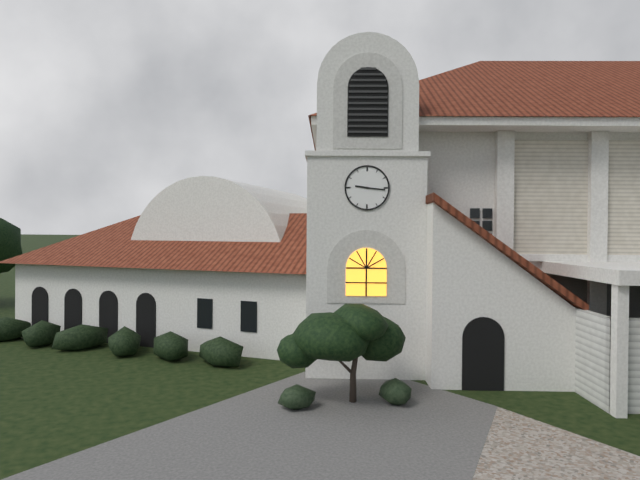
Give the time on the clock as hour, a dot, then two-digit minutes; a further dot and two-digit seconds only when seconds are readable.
9.16
